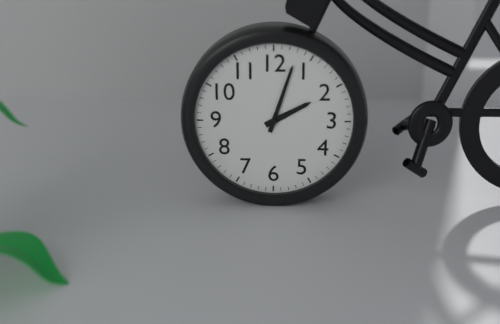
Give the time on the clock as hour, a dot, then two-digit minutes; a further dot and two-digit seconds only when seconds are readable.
2.03
